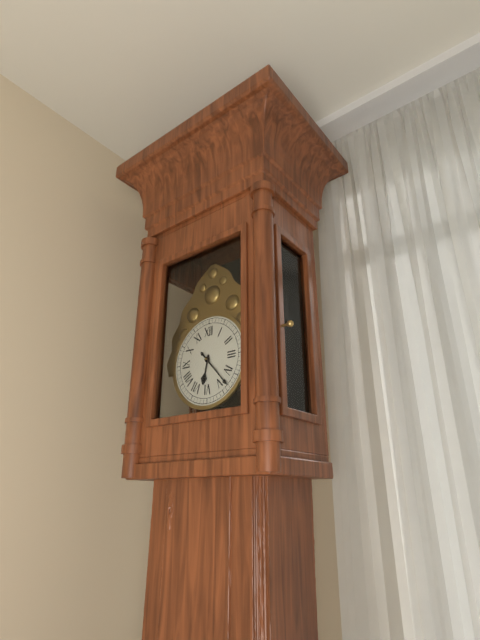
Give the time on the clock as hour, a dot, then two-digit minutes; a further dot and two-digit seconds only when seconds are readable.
6.23
